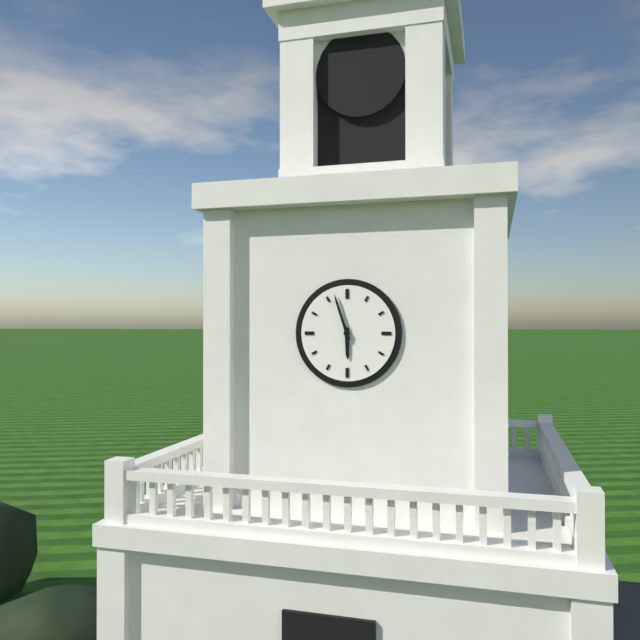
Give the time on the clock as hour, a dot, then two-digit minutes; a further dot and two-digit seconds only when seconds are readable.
5.57
